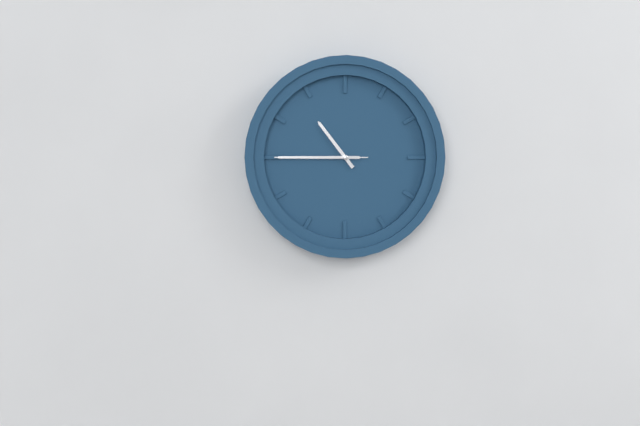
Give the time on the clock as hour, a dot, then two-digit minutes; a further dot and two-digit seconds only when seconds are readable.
10.45.45
